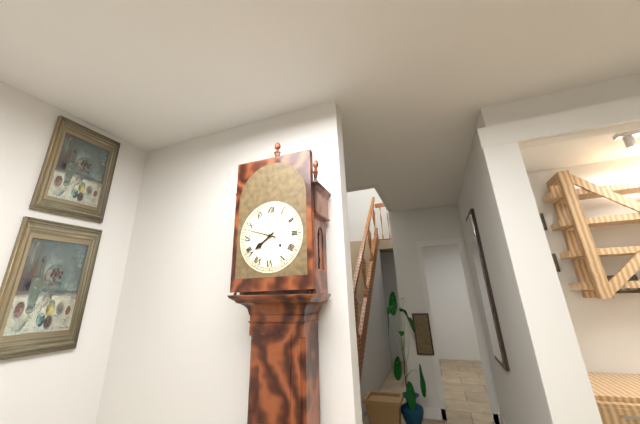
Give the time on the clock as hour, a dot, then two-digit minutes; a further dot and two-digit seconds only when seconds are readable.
7.48
